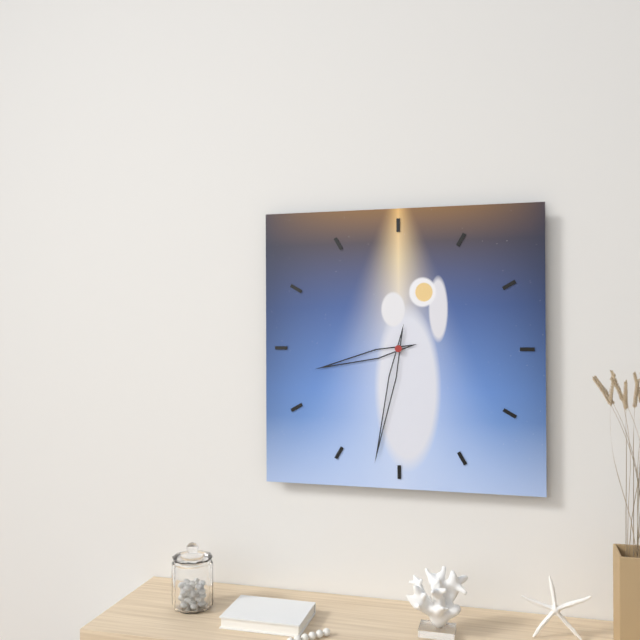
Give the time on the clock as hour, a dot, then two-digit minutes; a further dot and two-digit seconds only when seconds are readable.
8.32
